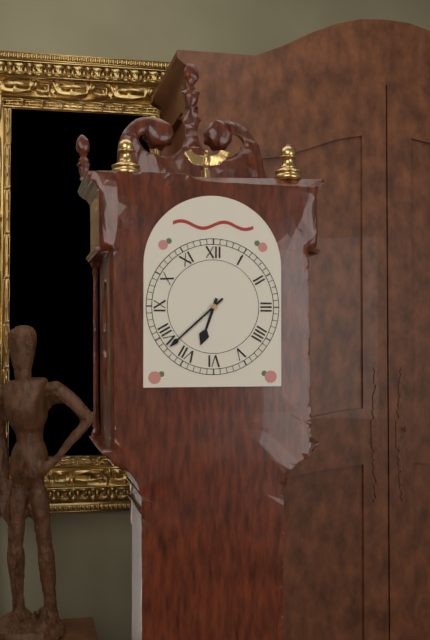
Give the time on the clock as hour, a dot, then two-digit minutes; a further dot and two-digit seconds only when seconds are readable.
6.38
